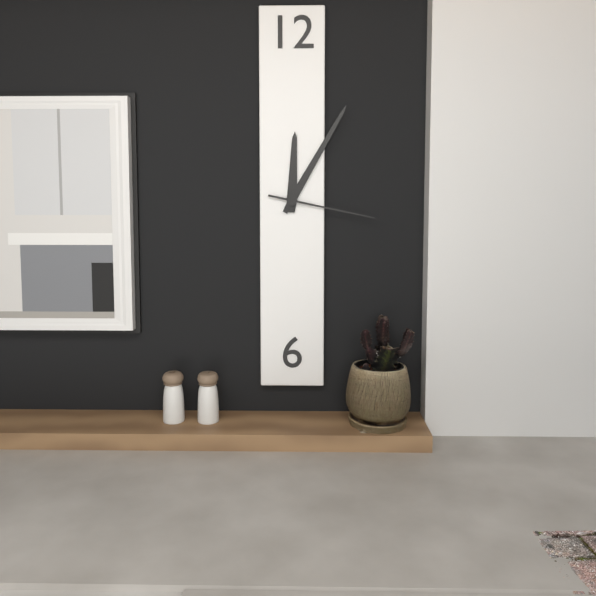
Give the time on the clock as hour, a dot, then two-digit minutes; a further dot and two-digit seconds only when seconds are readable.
12.05.17
